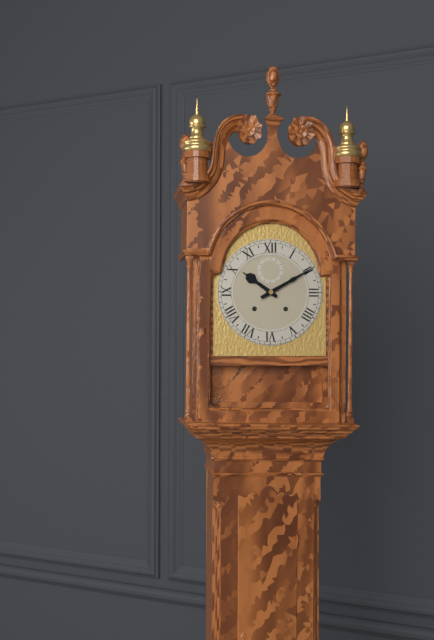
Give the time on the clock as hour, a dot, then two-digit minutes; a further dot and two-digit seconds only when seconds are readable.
10.10
